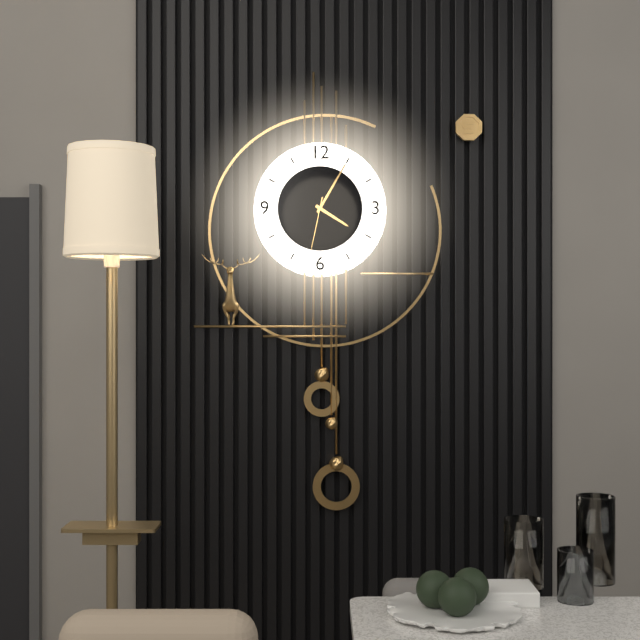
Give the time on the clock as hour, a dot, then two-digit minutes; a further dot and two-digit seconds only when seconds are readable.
4.05.32
